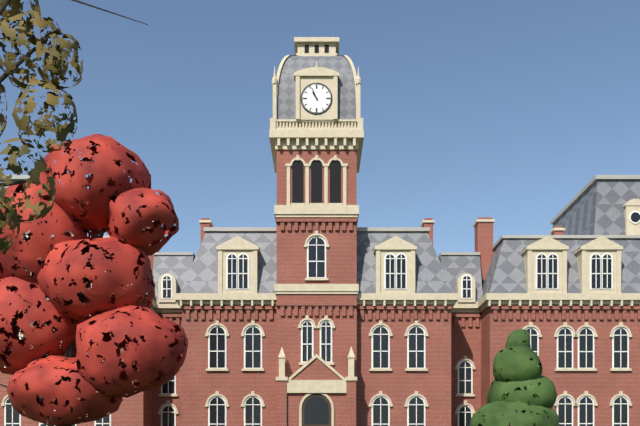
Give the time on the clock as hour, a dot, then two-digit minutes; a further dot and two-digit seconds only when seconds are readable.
10.56
